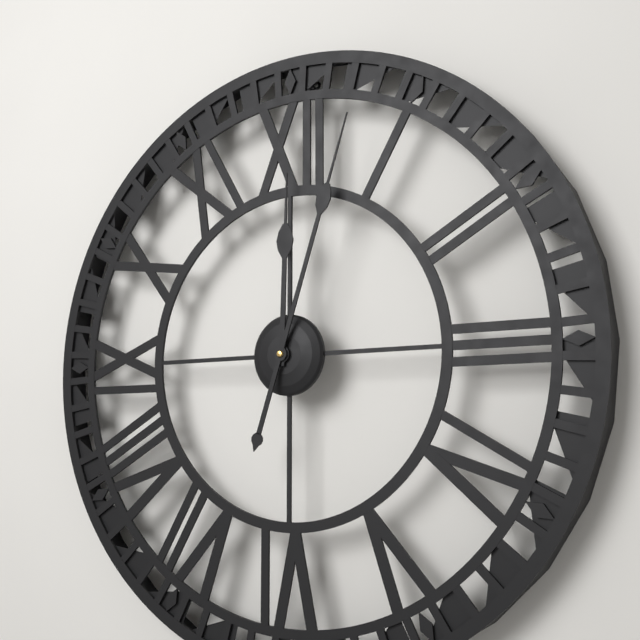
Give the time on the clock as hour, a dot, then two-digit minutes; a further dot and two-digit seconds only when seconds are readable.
12.03
